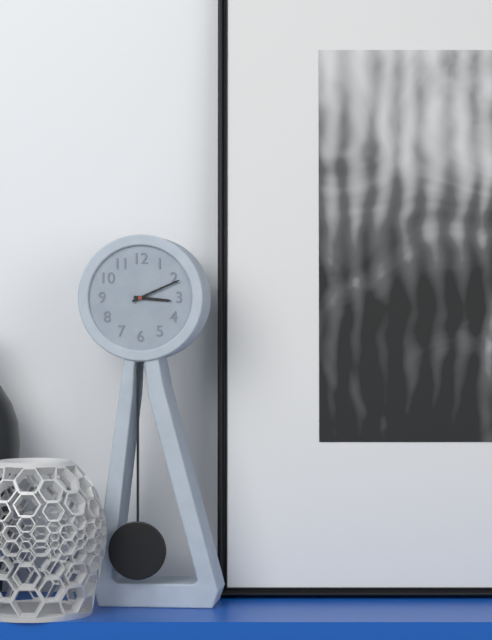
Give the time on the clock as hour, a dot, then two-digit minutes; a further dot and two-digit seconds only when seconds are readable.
3.11
